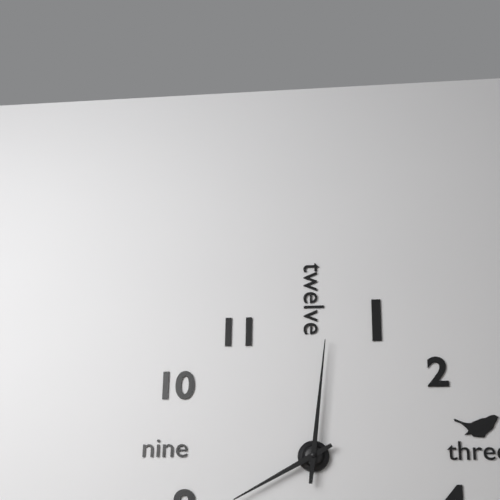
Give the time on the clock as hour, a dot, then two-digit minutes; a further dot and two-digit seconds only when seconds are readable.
8.01
